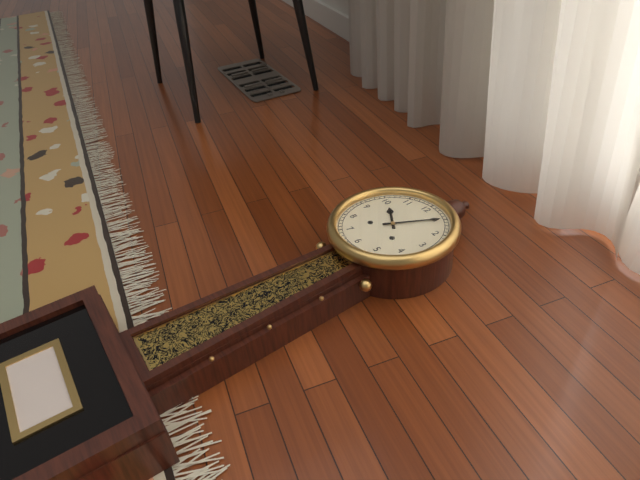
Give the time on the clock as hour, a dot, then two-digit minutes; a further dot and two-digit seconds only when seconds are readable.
10.05
